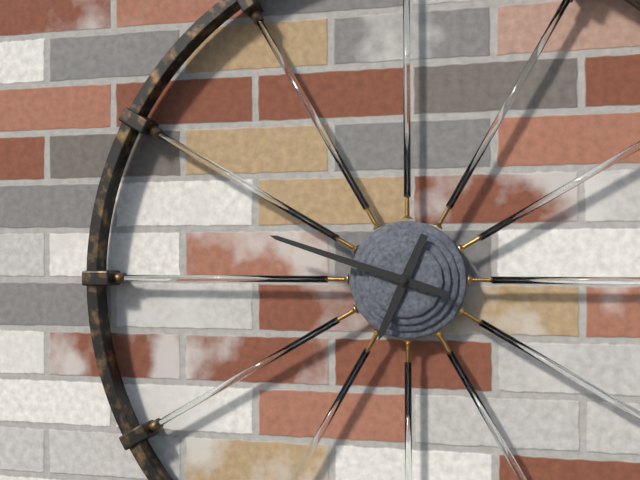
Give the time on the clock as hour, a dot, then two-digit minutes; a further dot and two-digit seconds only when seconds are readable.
6.48
